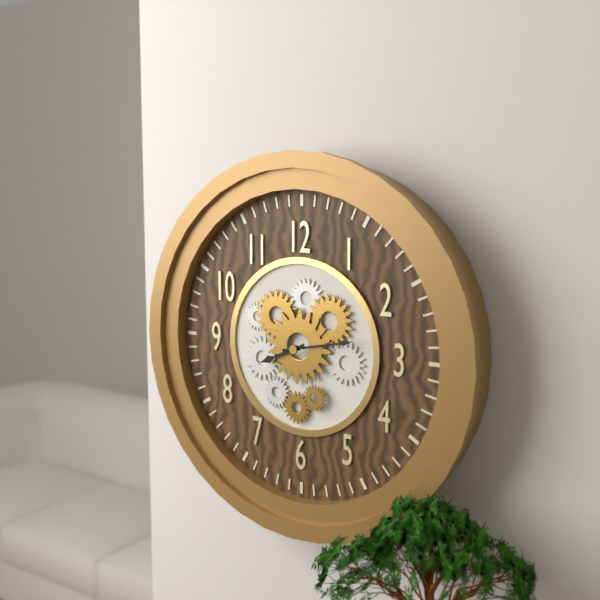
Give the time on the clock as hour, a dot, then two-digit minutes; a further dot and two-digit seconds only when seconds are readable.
8.13
